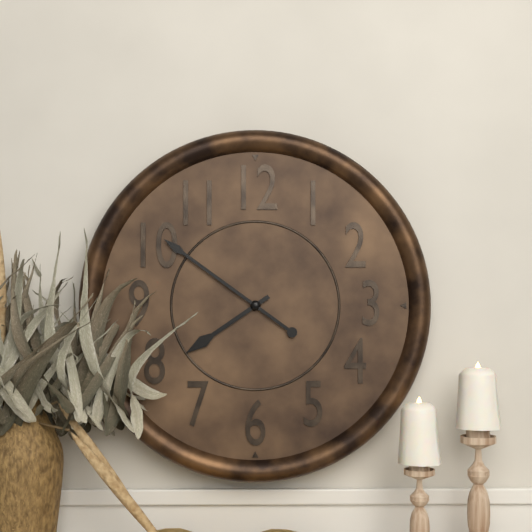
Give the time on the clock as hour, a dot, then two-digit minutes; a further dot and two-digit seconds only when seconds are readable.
7.51
